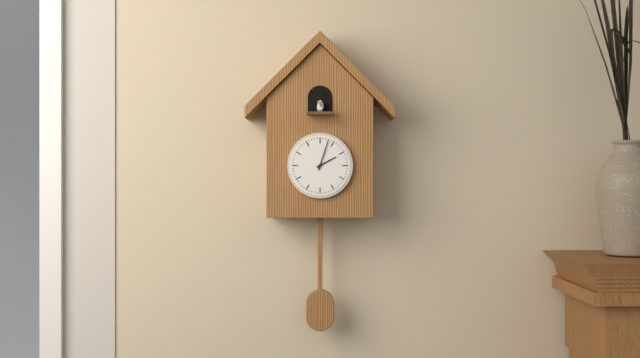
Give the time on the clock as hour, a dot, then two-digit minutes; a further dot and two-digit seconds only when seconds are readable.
2.03
